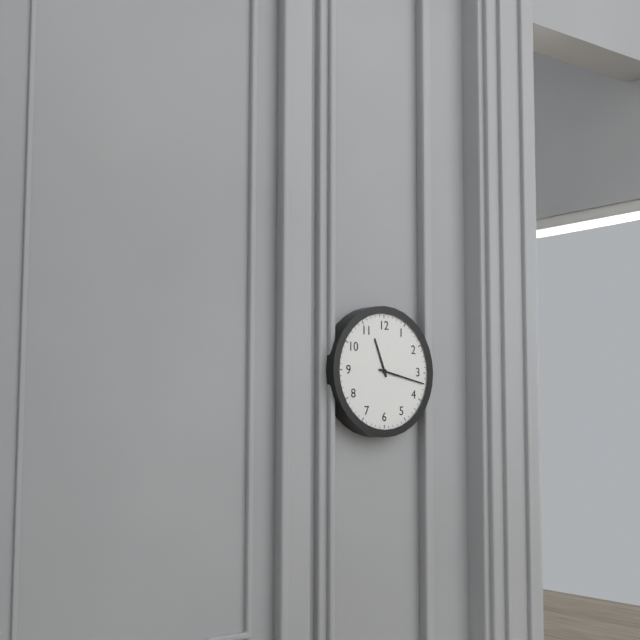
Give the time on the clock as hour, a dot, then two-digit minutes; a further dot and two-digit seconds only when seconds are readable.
11.17
